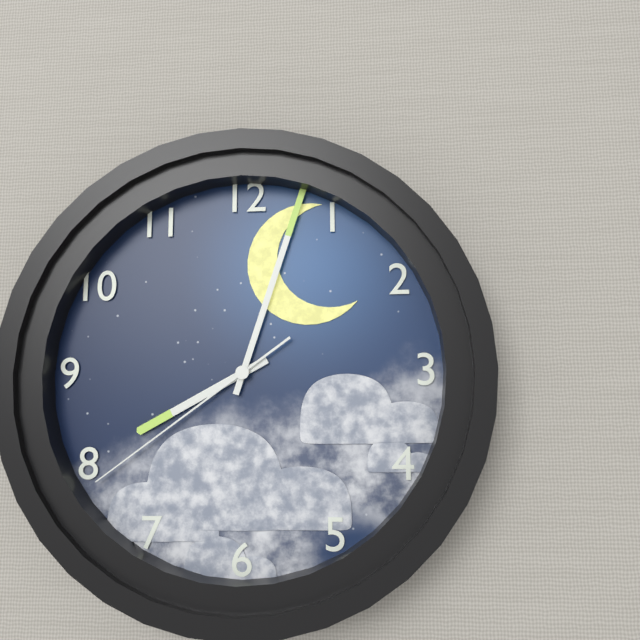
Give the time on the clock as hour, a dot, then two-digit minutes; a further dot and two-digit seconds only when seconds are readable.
8.03.39
